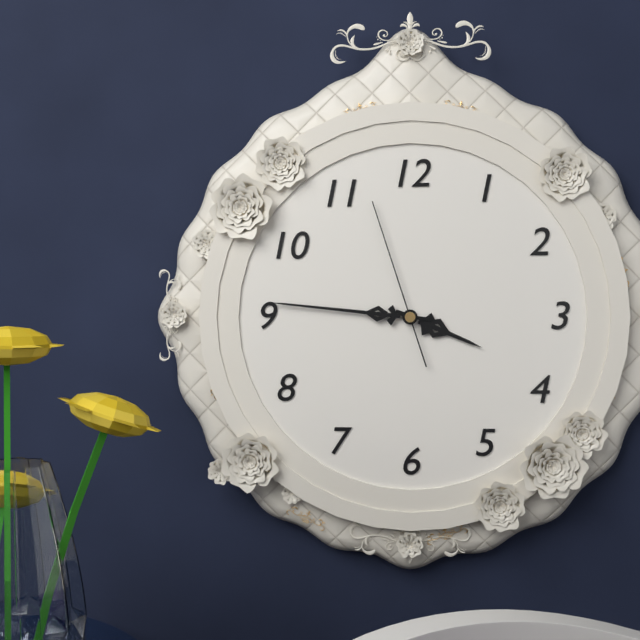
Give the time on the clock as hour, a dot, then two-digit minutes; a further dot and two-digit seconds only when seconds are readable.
3.46.57
